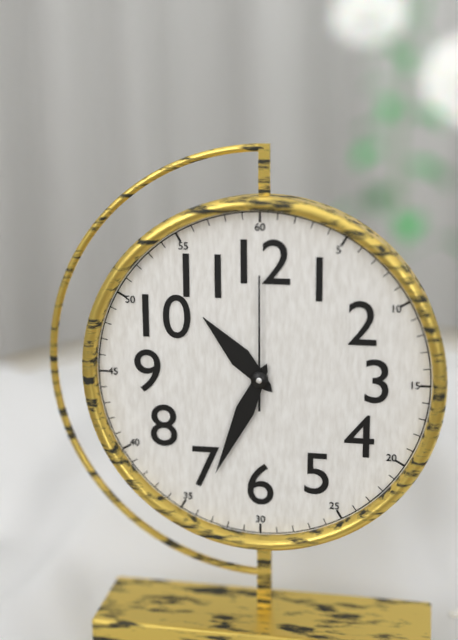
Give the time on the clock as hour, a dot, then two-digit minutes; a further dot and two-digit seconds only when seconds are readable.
10.34.00
